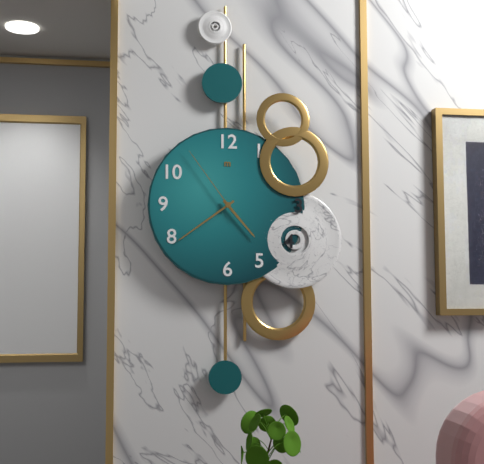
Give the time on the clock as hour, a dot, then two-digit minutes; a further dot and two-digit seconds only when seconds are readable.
4.39.54
